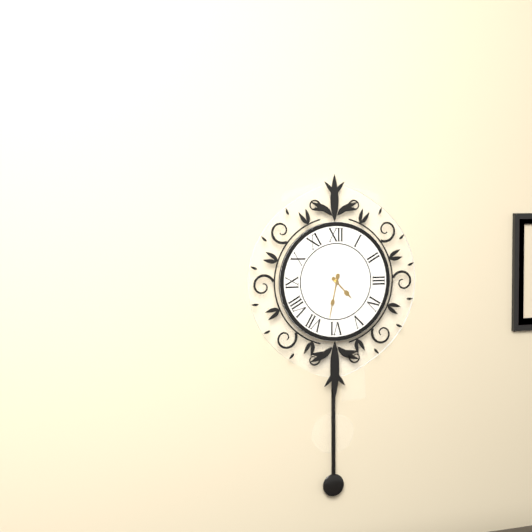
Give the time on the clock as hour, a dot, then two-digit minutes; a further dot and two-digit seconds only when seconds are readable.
4.32
